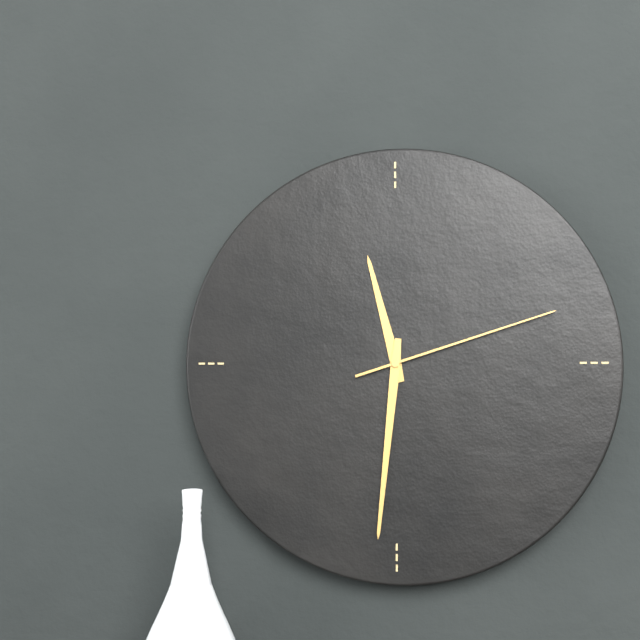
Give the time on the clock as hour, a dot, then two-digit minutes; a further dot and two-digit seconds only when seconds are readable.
11.31.12
